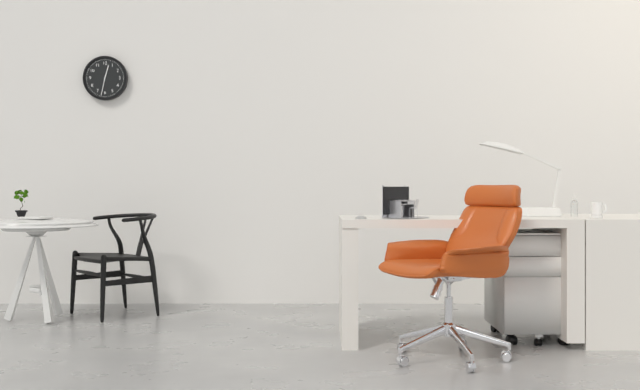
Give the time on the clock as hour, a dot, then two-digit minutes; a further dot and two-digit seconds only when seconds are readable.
12.32
